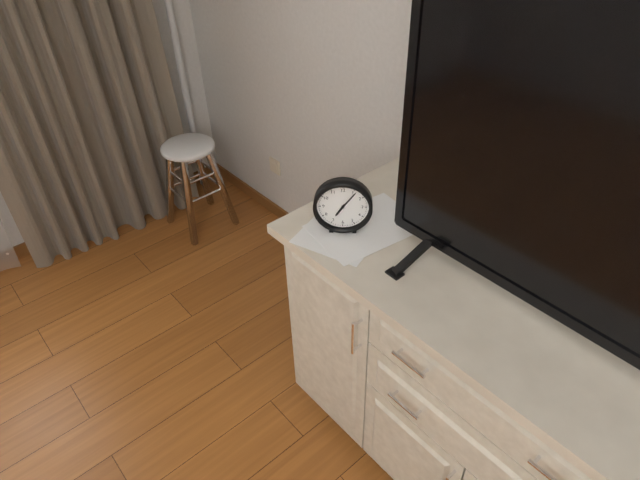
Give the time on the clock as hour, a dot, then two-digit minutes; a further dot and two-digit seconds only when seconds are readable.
7.06
